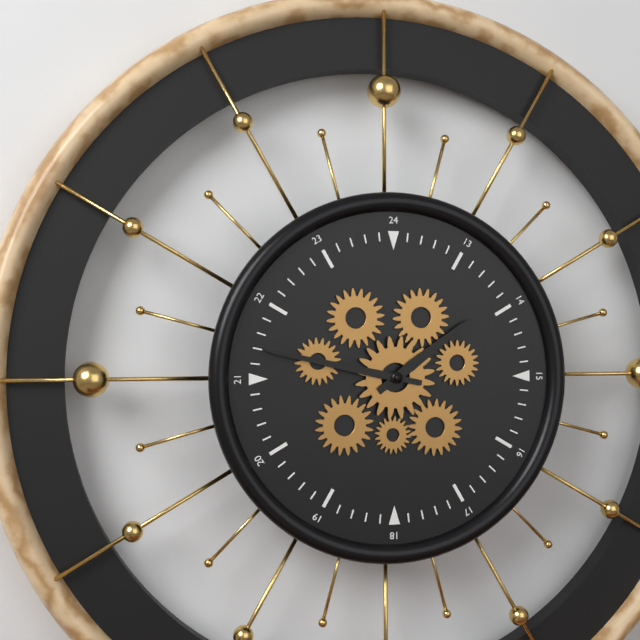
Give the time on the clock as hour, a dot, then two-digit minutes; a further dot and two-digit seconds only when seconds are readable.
1.47
